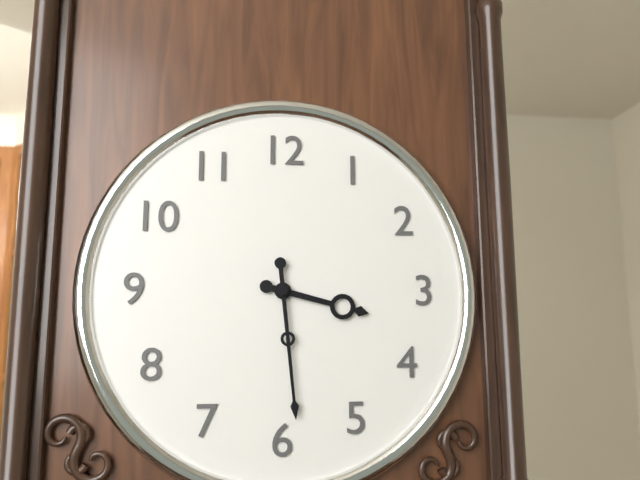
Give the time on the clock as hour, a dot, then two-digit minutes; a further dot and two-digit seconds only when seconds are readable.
3.29
